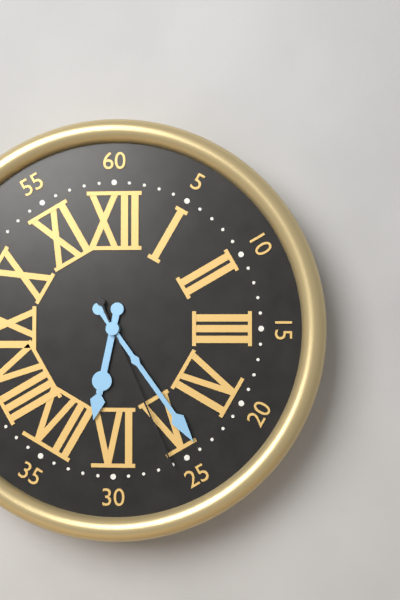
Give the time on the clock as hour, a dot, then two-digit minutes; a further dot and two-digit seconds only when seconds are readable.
6.24.26
